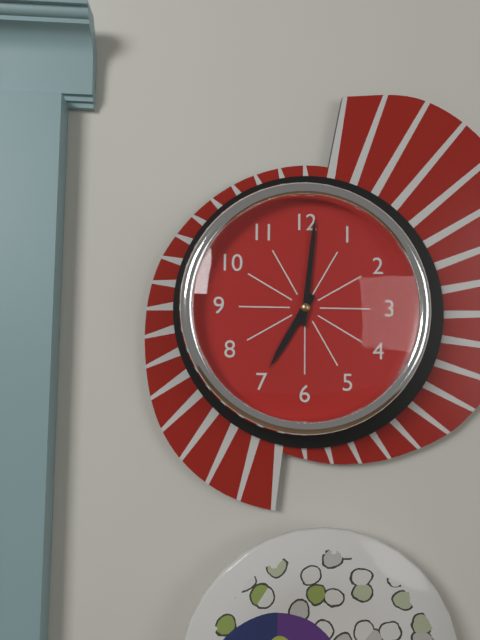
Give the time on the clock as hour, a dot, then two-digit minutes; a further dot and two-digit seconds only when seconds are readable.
7.01
